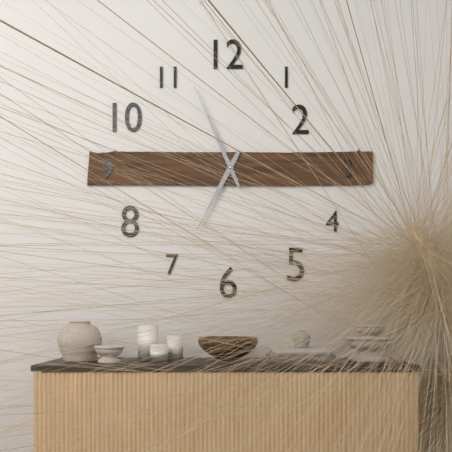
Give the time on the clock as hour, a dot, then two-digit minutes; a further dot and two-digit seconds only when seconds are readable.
6.56
